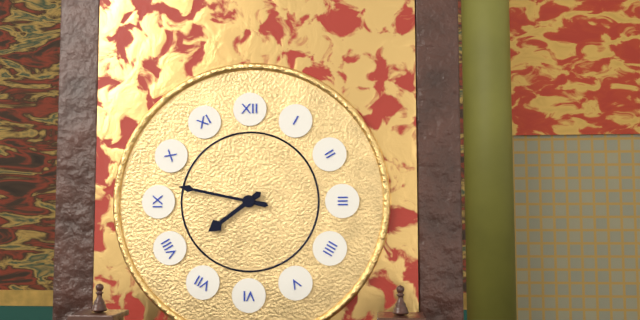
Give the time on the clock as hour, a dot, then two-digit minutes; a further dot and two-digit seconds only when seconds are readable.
7.47
